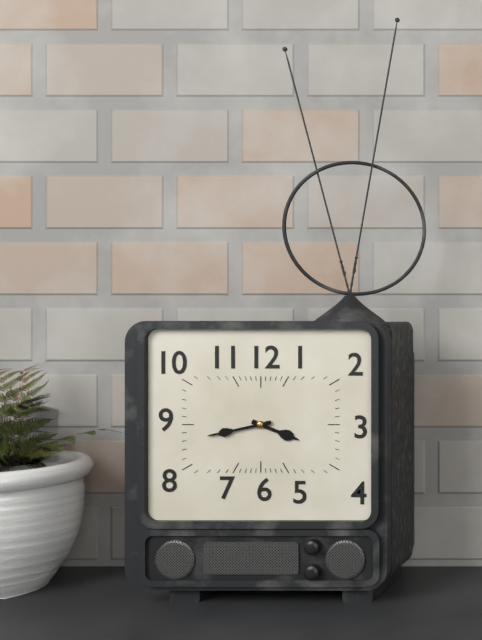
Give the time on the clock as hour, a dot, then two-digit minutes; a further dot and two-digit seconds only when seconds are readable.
3.43
